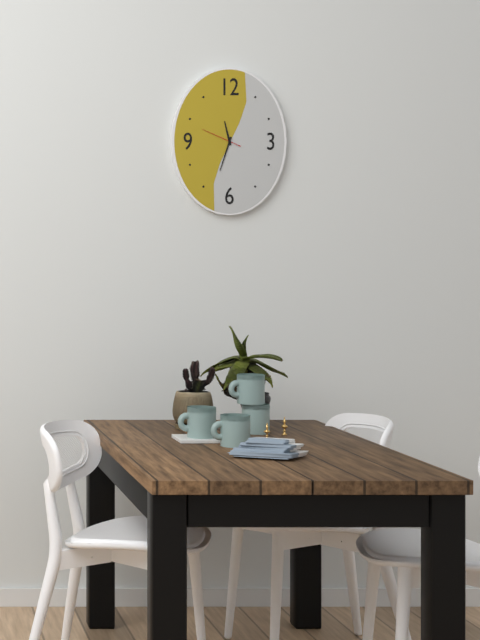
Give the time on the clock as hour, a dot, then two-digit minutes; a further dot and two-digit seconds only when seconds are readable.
11.33
